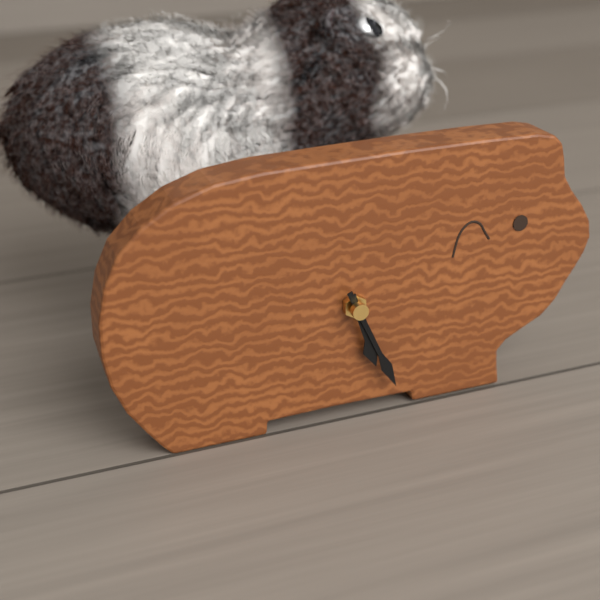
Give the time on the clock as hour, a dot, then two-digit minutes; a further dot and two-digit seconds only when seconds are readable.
5.26
